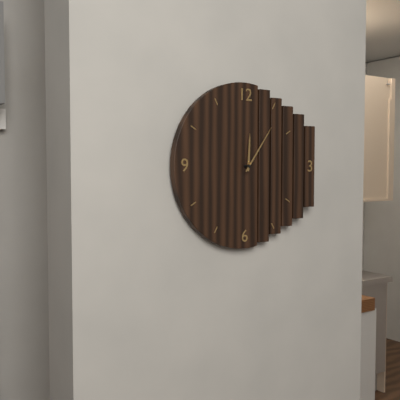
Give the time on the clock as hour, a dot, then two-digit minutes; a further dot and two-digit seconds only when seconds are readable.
12.06
